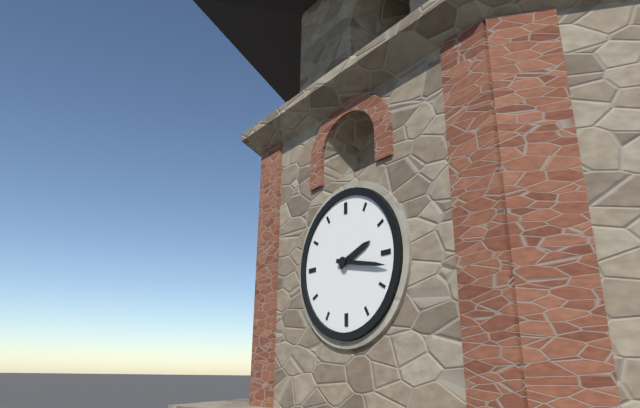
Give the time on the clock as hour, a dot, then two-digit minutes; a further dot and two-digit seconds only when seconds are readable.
2.17
